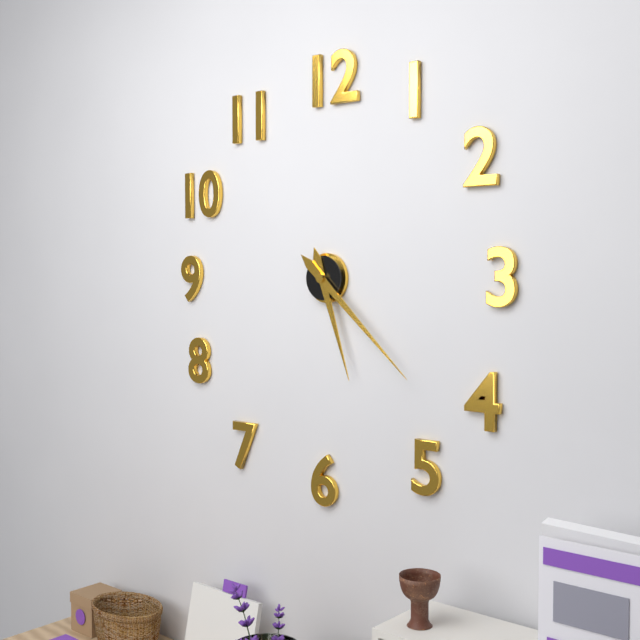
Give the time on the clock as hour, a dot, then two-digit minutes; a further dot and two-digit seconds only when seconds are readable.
5.22
